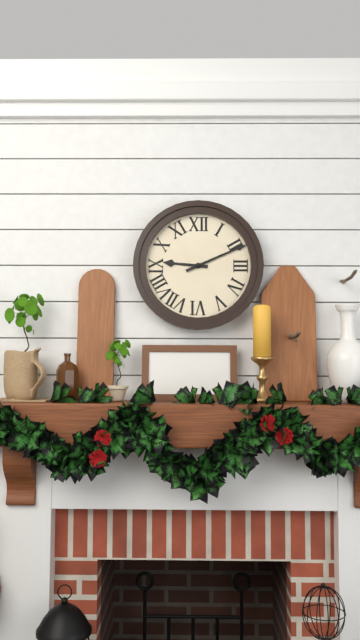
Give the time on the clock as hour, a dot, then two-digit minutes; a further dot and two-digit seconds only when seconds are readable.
9.11
